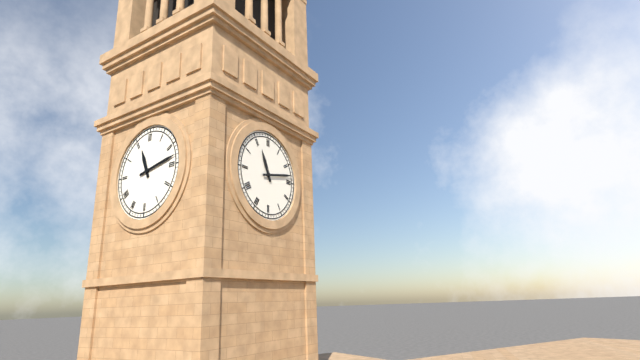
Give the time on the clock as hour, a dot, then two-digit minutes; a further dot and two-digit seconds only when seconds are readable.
11.13
